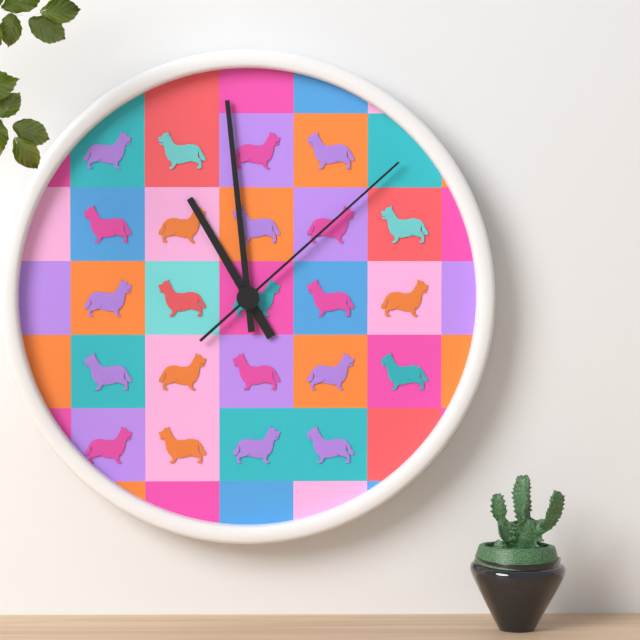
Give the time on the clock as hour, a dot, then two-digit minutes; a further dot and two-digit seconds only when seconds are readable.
10.59.08
